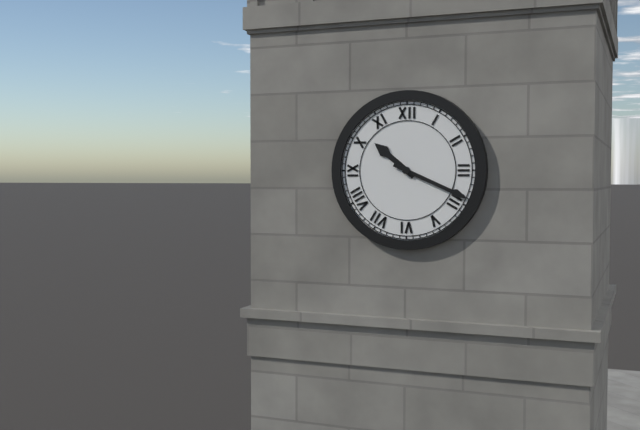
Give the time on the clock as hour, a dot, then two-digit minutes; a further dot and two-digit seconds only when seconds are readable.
10.19
